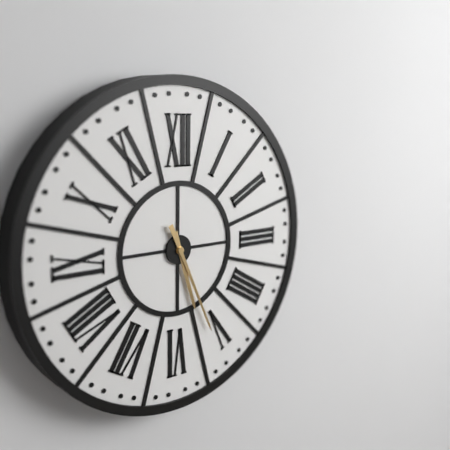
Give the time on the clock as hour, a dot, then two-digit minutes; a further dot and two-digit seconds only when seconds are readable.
5.26
